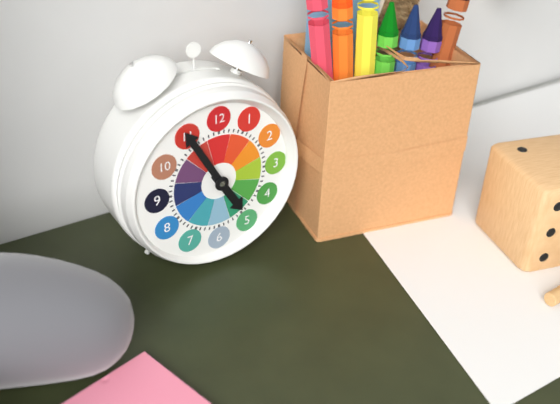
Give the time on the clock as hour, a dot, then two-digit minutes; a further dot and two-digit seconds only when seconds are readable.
4.55
